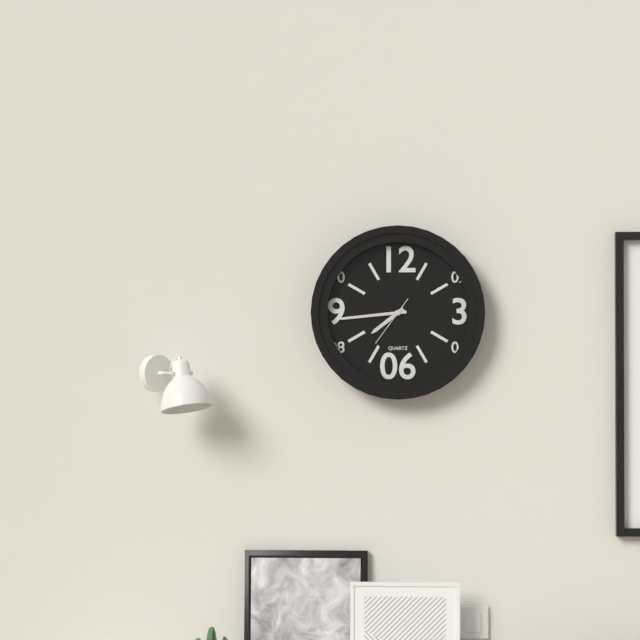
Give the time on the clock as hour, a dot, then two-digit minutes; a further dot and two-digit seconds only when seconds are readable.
7.44
